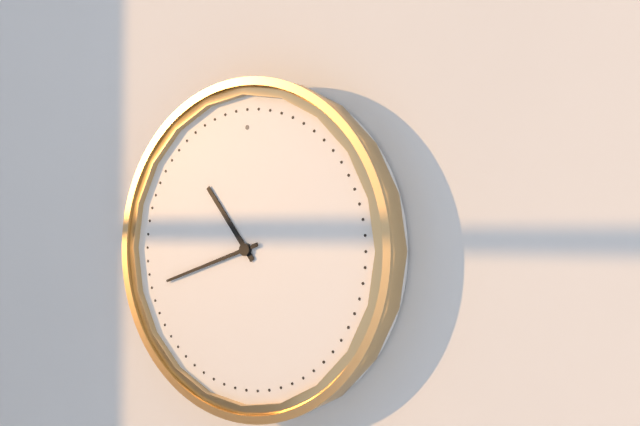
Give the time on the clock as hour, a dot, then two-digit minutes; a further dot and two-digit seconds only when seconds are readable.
10.42
